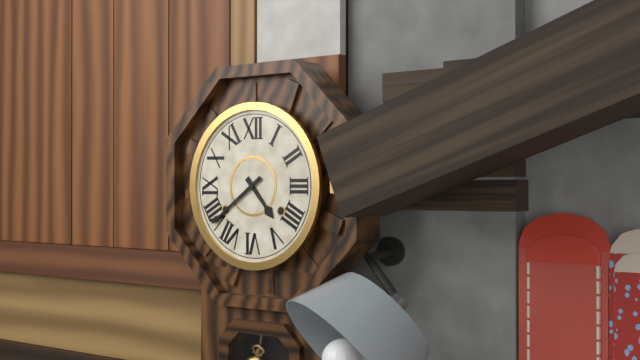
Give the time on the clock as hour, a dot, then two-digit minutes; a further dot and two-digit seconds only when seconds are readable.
4.39
